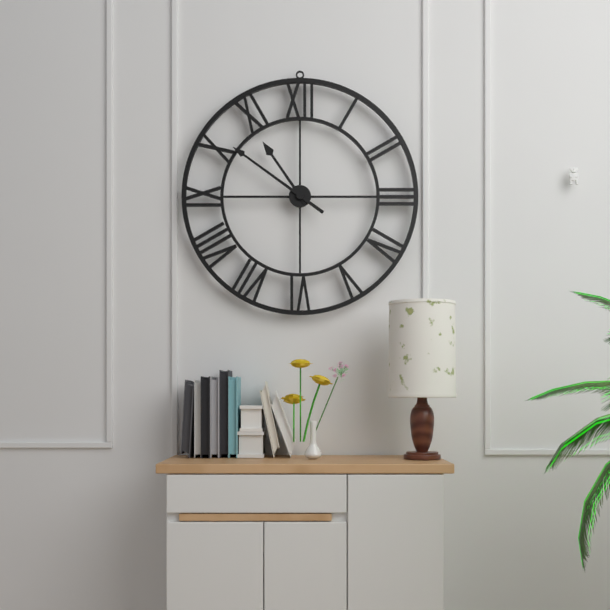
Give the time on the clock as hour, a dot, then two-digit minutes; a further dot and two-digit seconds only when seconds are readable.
10.51
